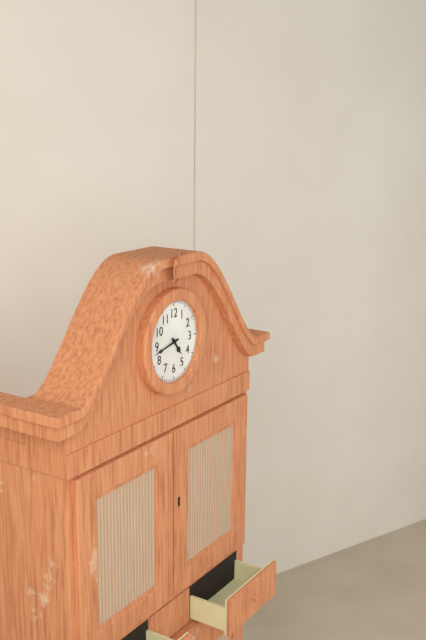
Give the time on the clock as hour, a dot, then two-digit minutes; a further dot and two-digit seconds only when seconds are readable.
4.43
